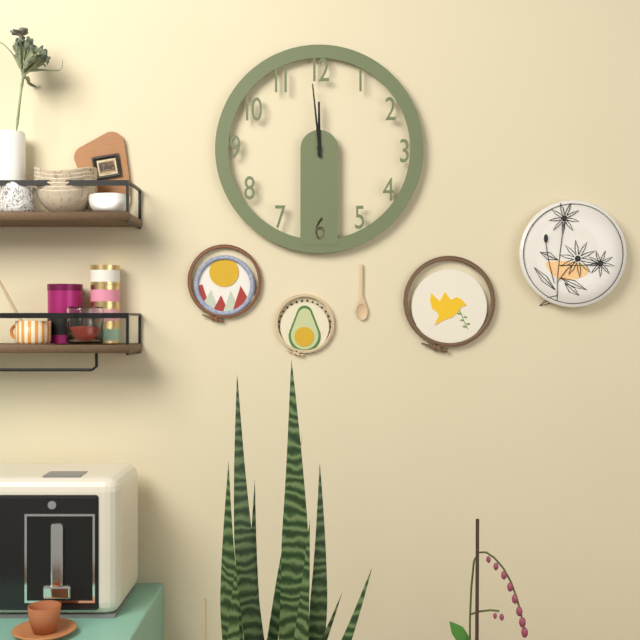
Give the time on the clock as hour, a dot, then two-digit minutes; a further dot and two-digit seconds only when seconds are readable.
11.59
